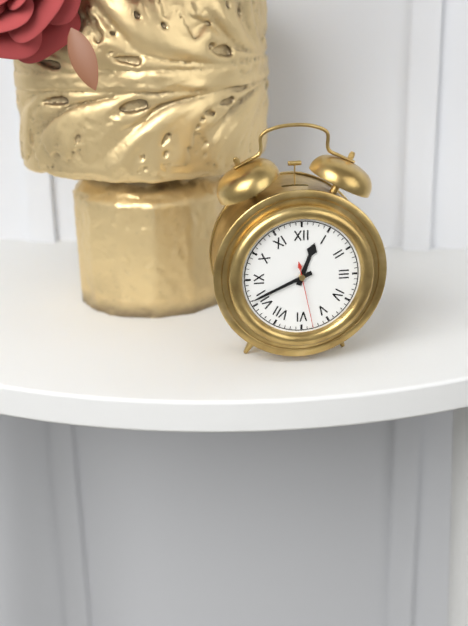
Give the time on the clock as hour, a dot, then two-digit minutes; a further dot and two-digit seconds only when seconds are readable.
12.41.28
